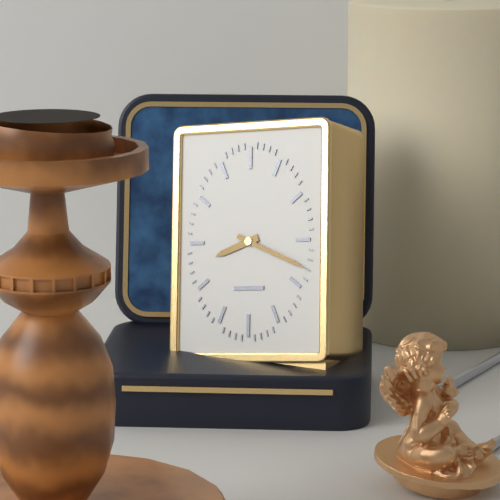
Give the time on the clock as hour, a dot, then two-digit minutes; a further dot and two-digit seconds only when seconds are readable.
8.19
